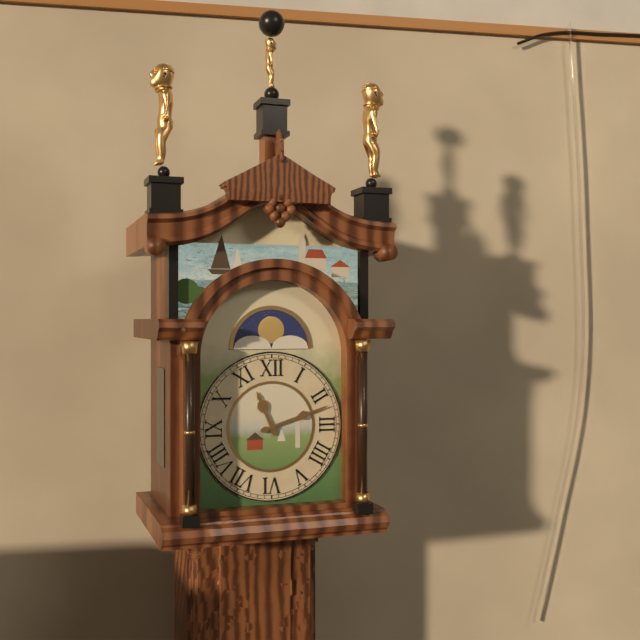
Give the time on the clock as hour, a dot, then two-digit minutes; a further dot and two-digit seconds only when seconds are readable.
11.12
